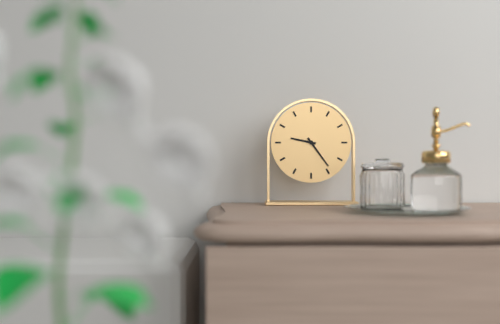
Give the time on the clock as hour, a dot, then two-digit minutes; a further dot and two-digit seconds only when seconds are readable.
9.24
